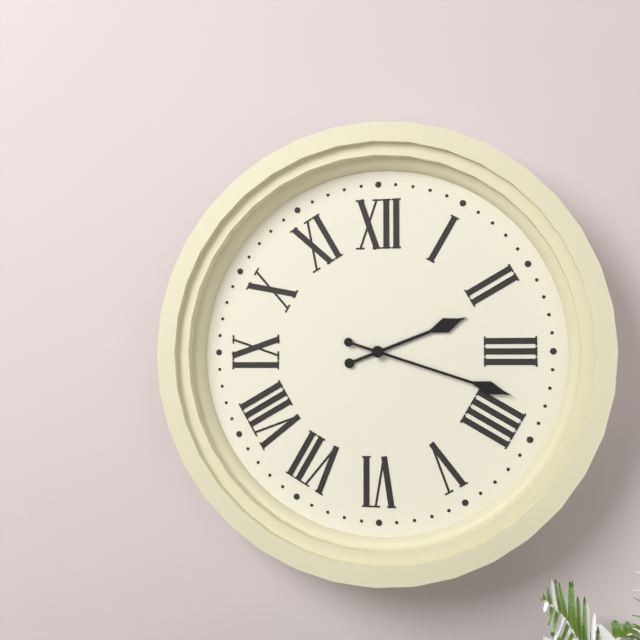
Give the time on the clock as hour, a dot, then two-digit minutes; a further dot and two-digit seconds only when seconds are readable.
2.18
